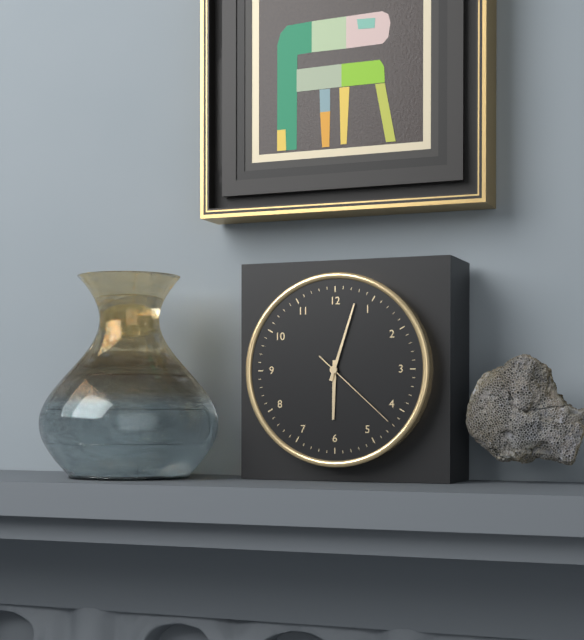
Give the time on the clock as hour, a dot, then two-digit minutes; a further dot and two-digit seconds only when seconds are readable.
6.03.22
